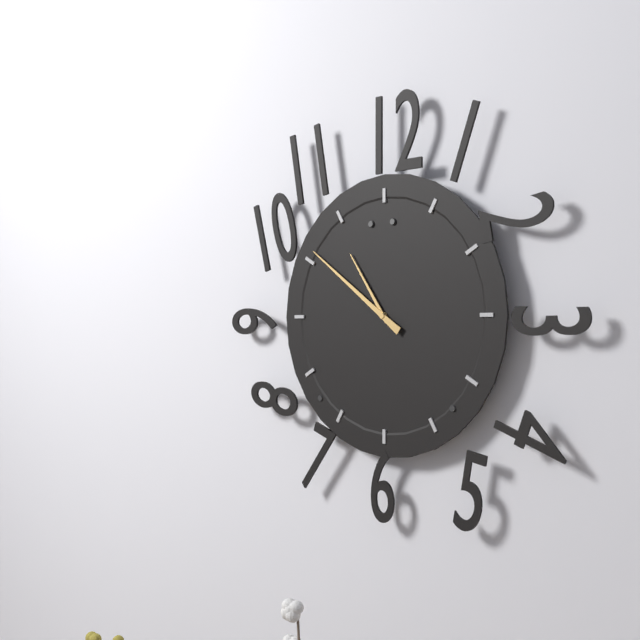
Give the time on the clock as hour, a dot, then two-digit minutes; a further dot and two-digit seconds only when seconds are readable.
10.51
